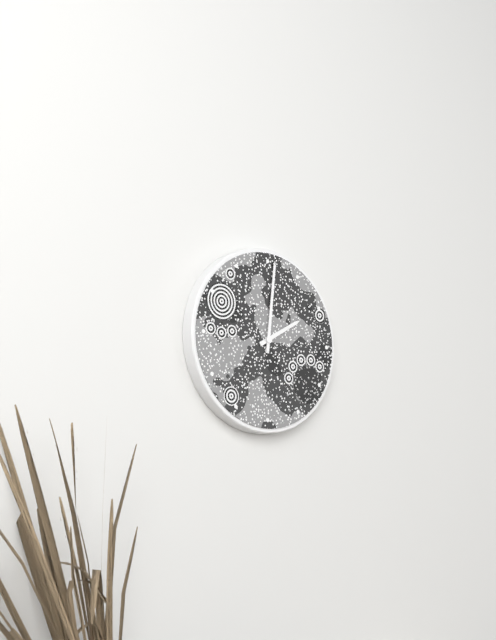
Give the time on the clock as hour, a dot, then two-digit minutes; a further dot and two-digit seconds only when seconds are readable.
2.01
